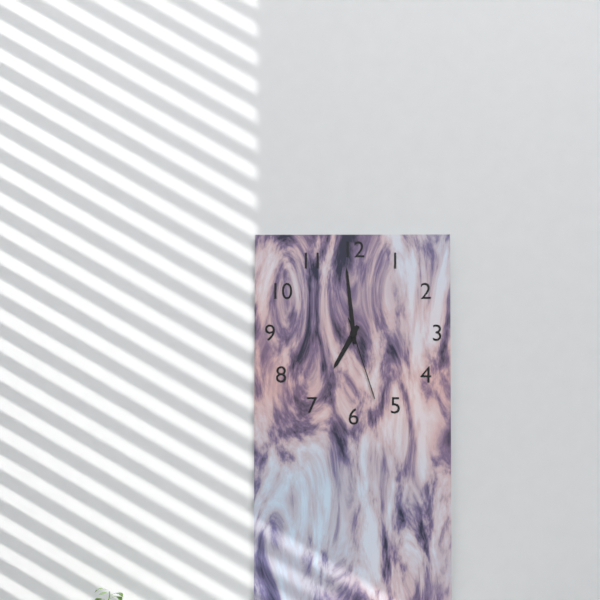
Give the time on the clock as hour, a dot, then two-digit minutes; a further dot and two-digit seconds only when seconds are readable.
6.59.27
